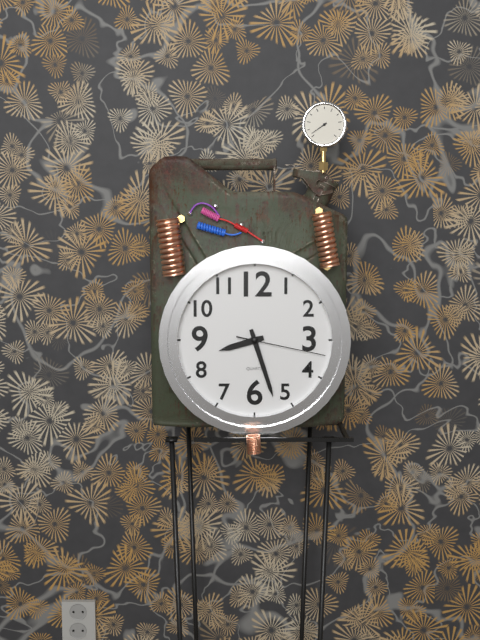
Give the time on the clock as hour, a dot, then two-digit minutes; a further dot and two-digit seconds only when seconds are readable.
8.27.17
